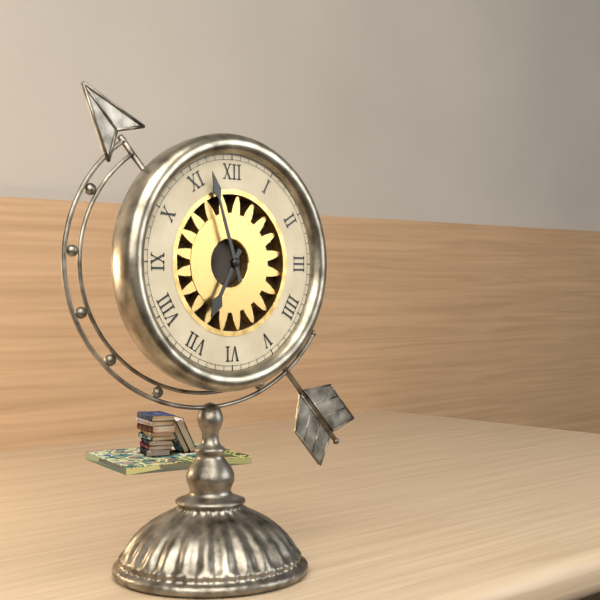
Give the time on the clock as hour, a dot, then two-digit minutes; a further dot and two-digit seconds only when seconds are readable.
6.57
